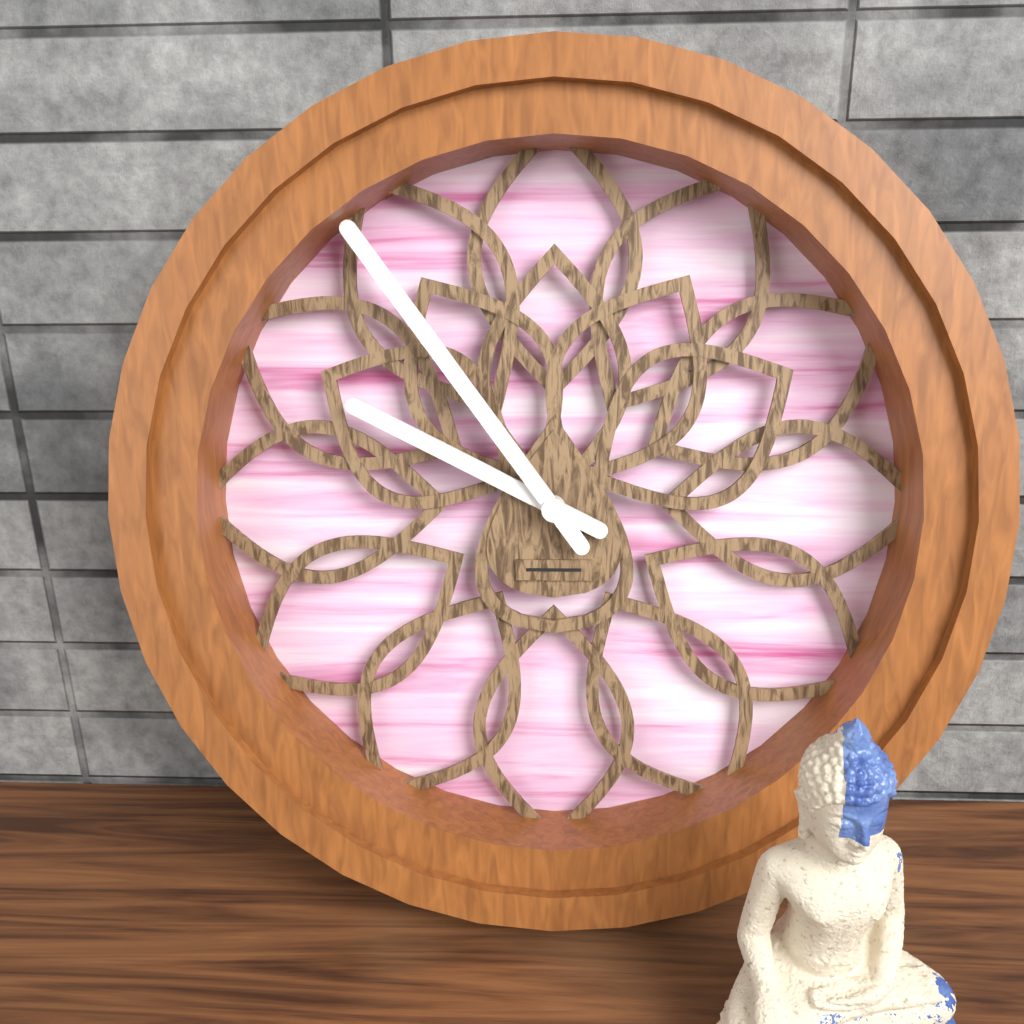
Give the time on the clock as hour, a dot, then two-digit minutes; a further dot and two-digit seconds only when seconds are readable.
9.54
